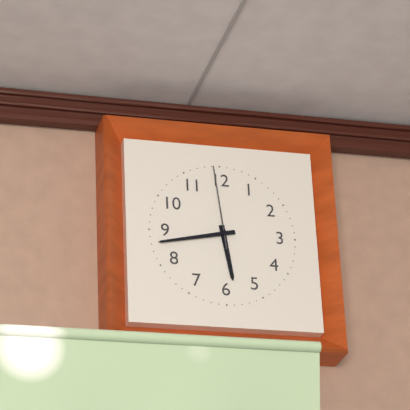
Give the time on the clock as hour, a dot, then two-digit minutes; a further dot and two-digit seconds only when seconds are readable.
5.43.59
